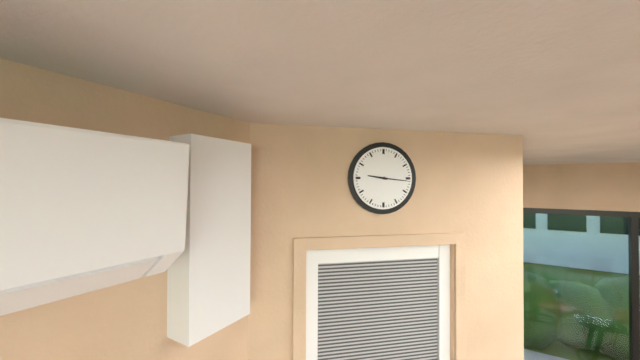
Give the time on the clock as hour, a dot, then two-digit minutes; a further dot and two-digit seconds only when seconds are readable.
9.16
